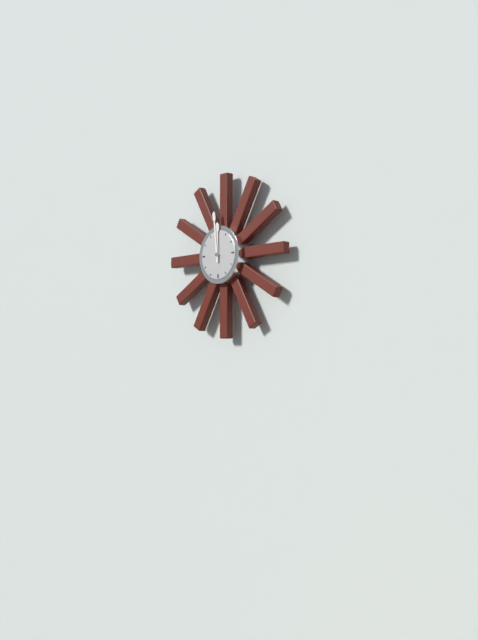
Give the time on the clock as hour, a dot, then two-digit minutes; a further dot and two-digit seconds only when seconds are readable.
11.59
